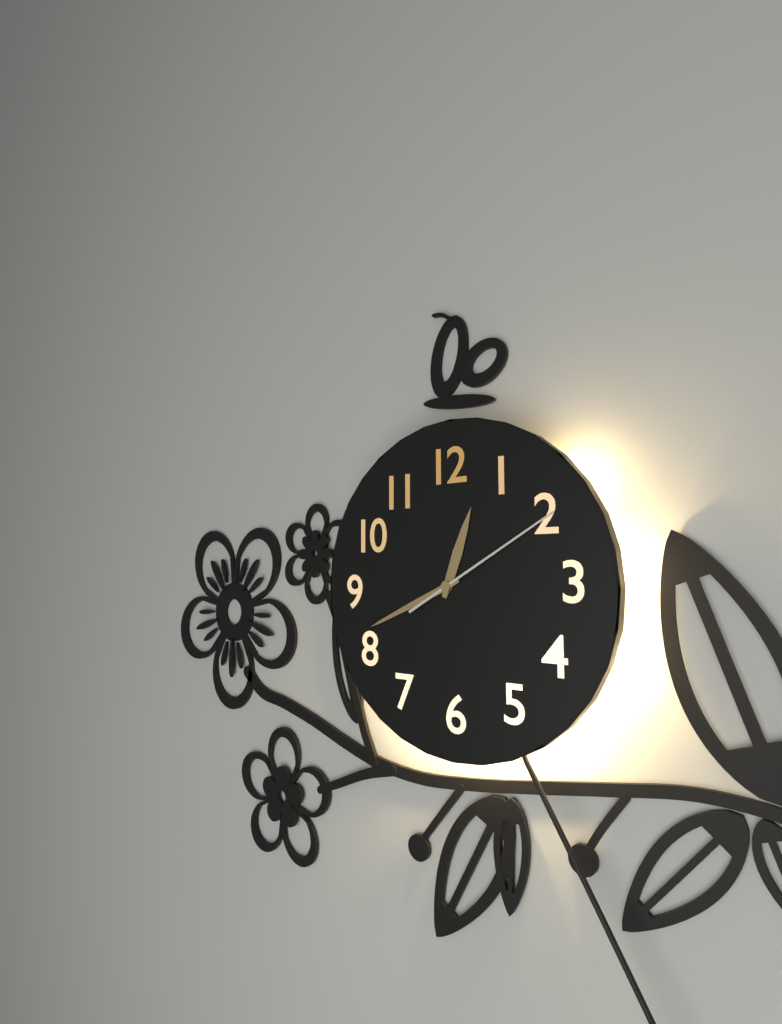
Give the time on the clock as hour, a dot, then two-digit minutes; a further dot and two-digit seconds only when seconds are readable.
12.41.10
